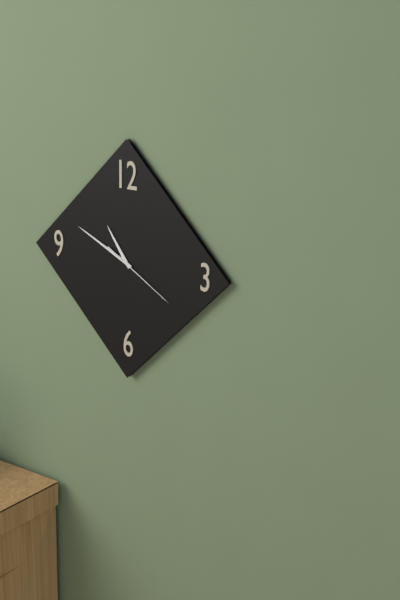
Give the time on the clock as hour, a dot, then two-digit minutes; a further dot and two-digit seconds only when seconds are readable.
10.49.20
